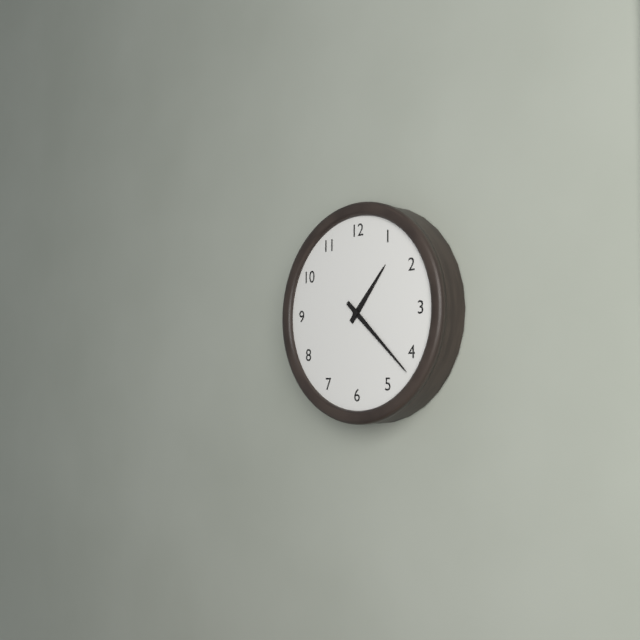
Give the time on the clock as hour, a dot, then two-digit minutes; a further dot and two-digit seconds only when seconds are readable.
1.22
